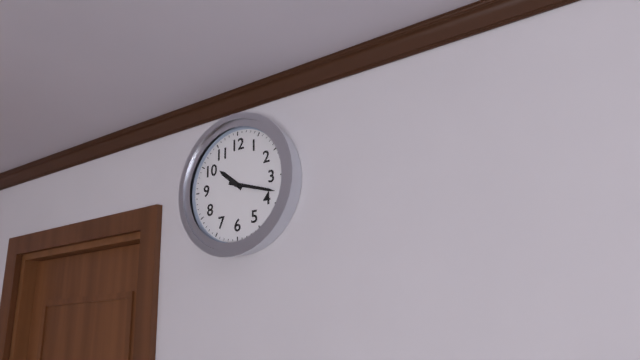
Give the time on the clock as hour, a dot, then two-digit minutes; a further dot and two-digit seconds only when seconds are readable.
10.18
